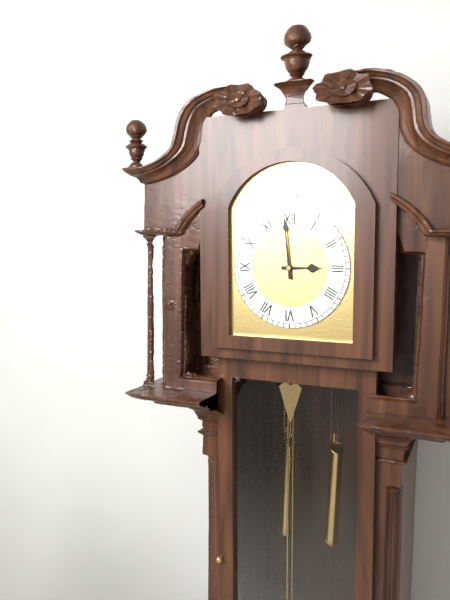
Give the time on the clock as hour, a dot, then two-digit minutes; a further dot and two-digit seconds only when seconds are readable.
2.59
